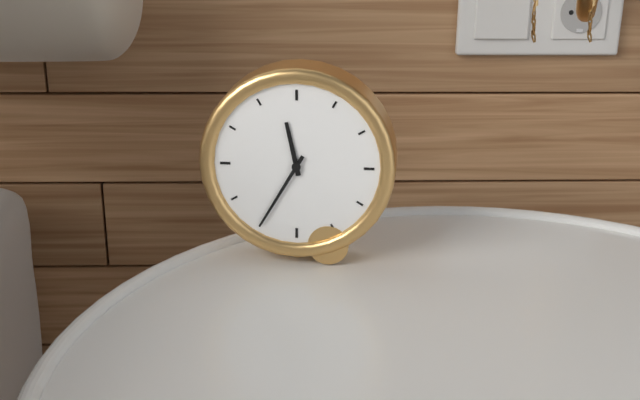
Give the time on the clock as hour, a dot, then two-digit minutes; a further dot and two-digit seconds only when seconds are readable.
11.35
